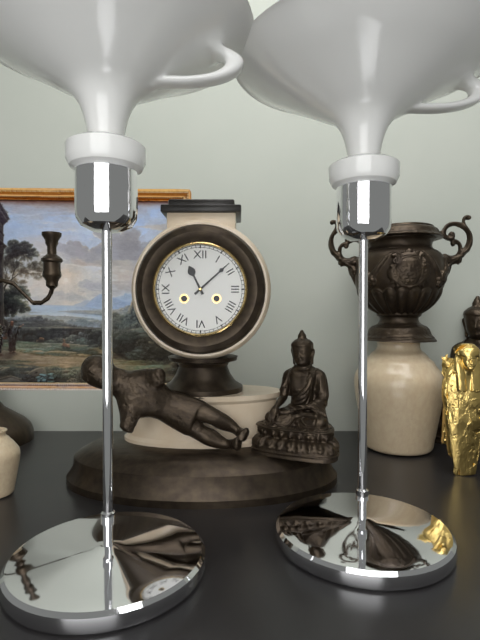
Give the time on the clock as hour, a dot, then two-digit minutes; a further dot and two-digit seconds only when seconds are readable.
11.08
